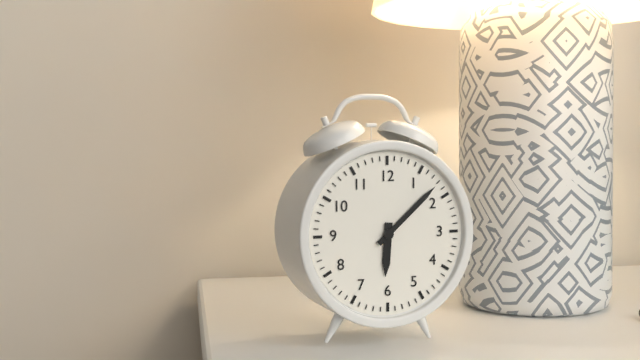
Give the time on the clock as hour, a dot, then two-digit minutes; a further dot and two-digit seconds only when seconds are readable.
6.08
